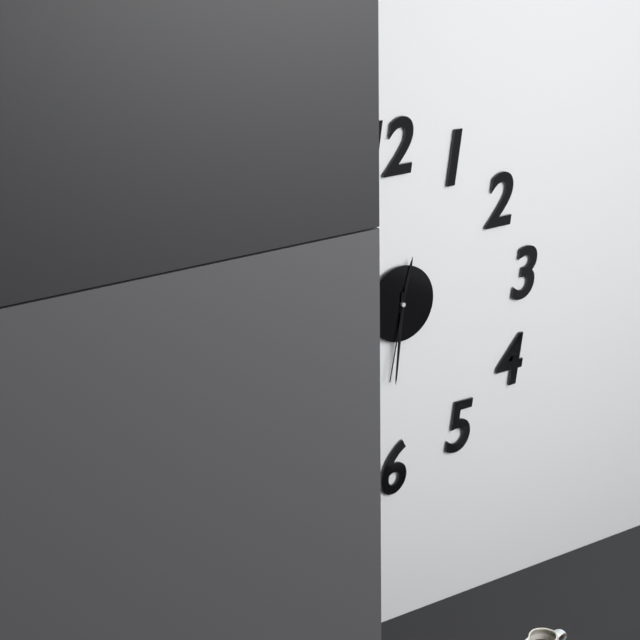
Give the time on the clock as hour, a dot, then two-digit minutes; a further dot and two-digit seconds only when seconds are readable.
12.31.32
